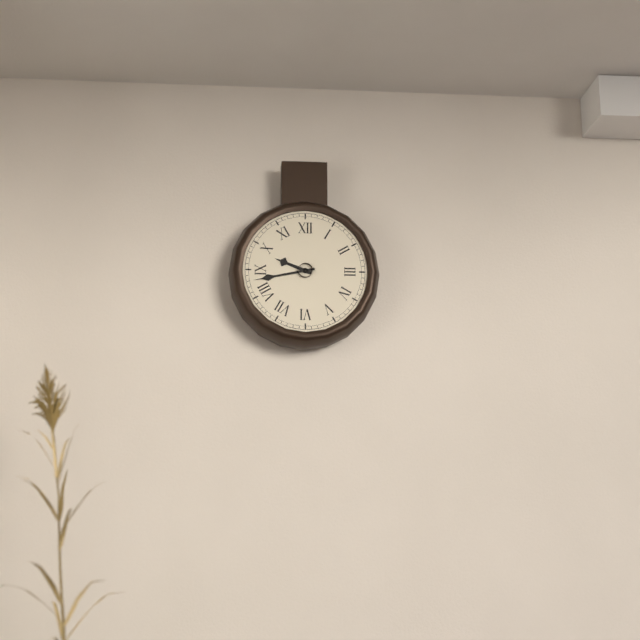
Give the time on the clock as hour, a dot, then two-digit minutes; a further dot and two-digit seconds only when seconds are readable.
9.43
